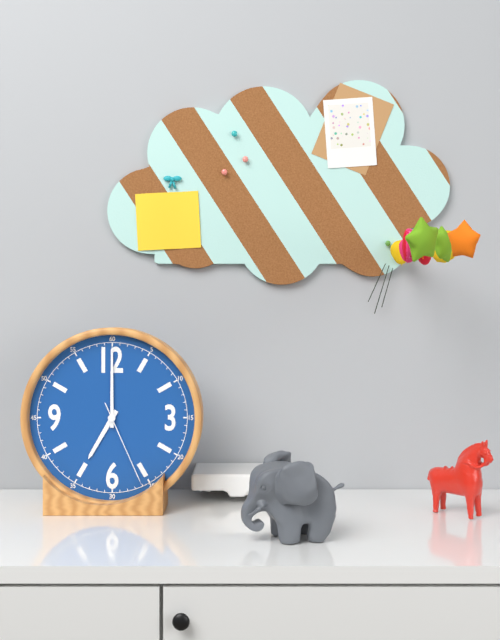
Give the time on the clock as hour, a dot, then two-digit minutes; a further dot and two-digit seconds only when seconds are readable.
7.00.26
